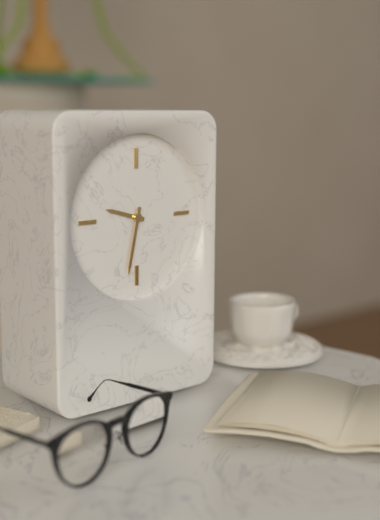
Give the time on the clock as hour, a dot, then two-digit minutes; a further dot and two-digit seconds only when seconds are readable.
9.32
